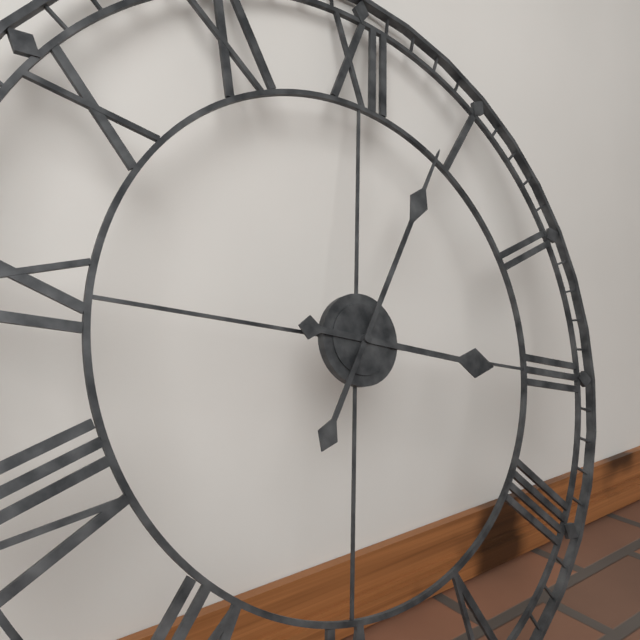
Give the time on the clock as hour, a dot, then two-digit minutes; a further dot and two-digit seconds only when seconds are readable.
3.04
